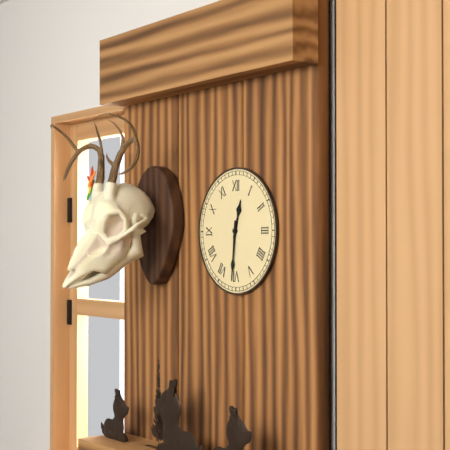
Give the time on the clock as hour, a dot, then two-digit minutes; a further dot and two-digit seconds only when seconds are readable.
12.31
